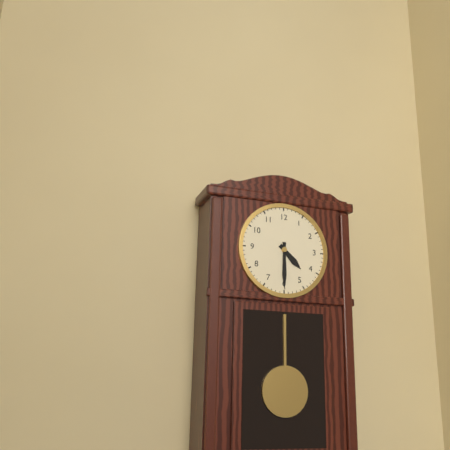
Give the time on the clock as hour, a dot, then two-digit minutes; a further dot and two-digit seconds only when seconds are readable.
4.30
